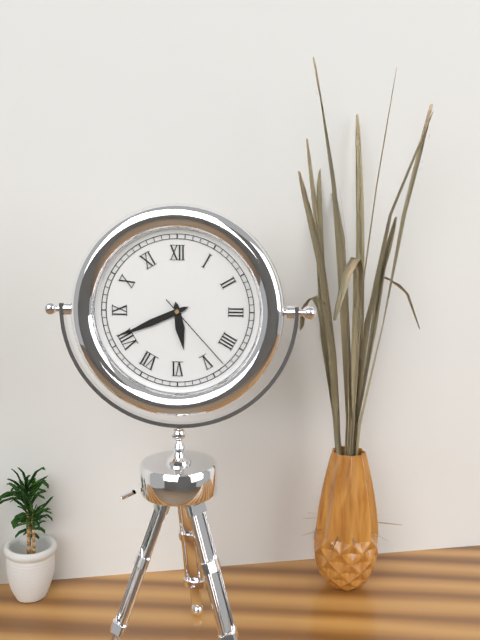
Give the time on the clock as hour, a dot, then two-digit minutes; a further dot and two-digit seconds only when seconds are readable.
5.41.23
